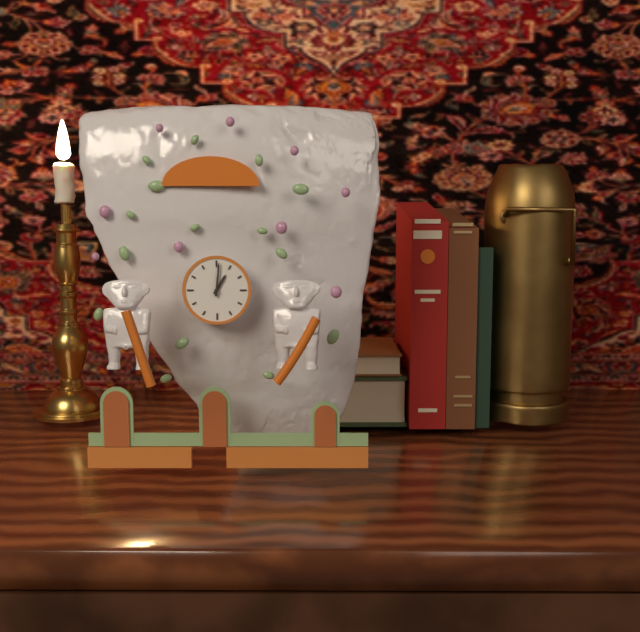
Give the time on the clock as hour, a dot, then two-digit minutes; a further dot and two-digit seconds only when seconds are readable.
1.01
